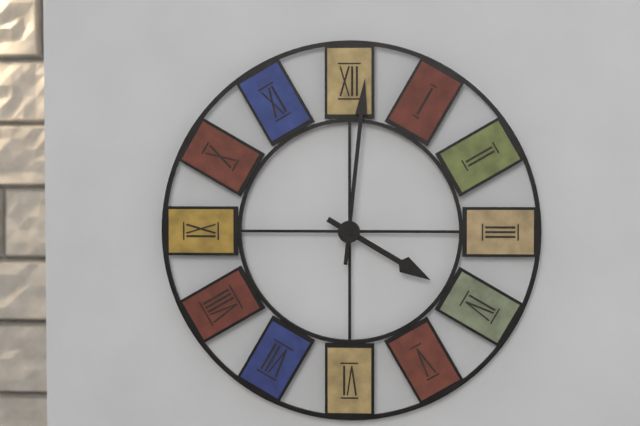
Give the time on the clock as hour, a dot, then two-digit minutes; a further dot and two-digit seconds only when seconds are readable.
4.01
